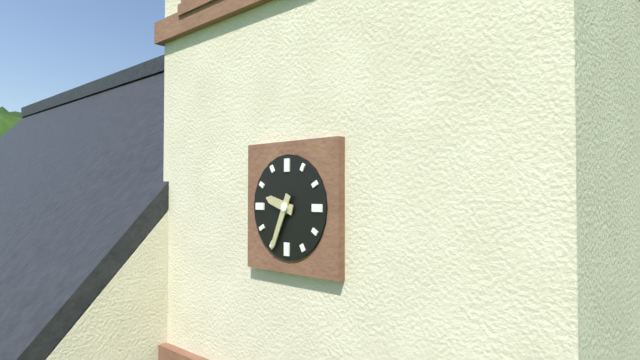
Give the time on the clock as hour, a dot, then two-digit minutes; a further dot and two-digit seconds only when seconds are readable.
9.34
